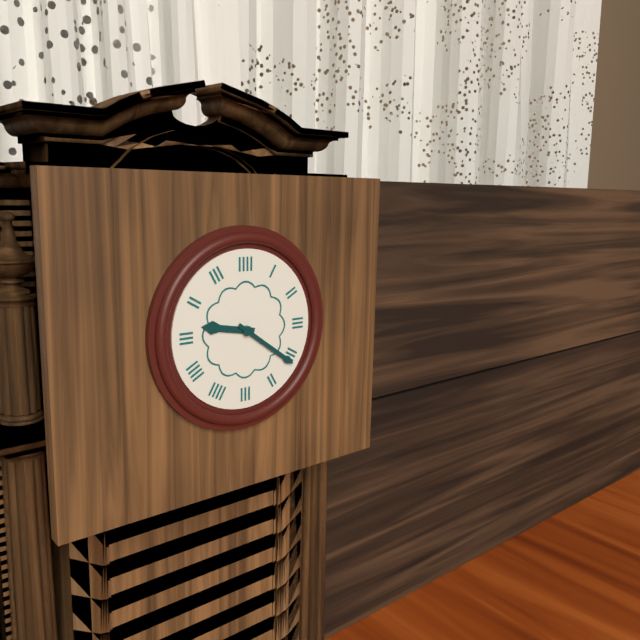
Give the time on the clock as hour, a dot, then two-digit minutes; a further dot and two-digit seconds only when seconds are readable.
9.21
